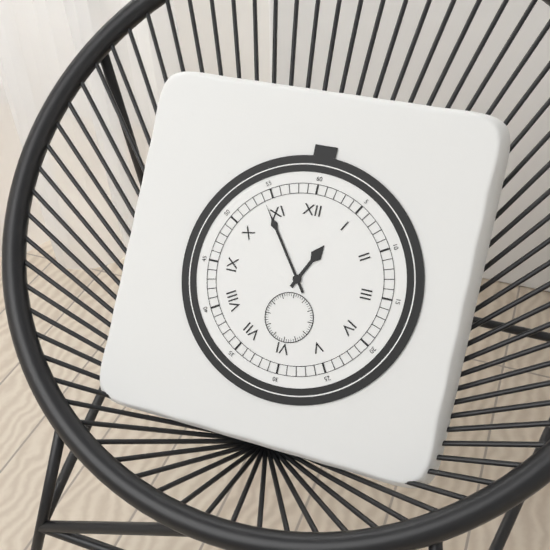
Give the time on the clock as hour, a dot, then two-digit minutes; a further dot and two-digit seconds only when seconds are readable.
12.54
